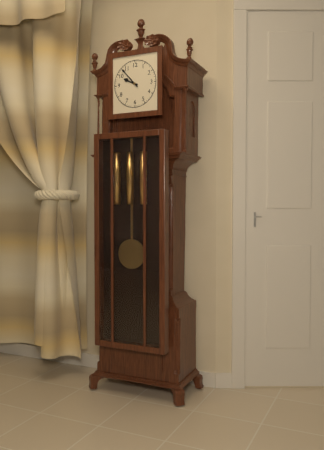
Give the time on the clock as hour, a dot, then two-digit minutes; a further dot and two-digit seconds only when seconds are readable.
9.53
